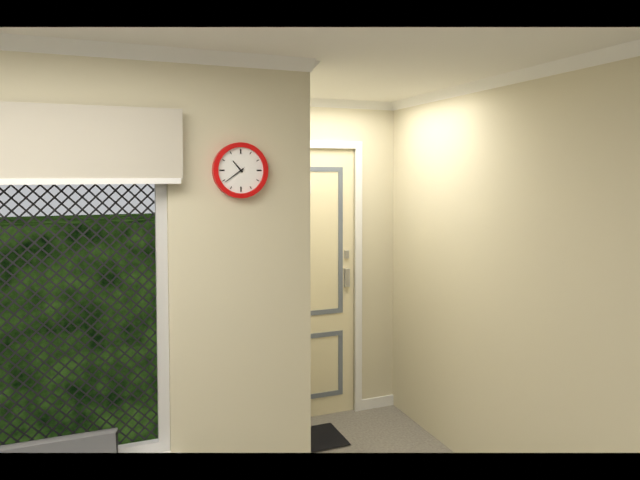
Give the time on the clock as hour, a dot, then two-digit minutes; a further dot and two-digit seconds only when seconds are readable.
10.39
